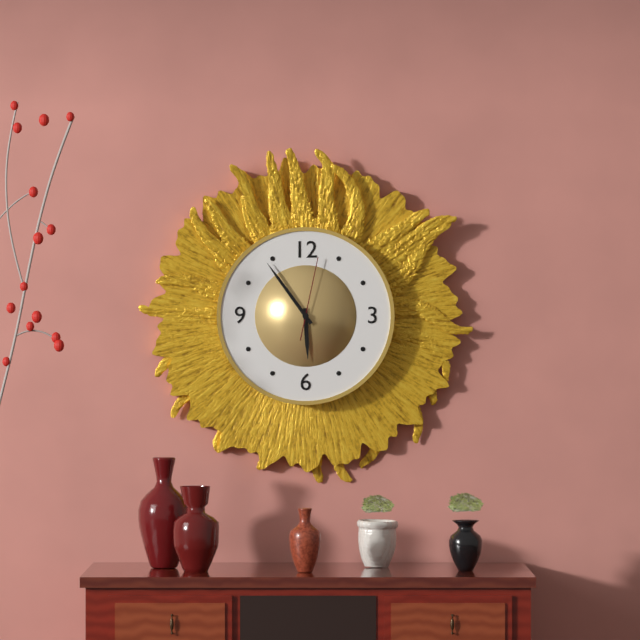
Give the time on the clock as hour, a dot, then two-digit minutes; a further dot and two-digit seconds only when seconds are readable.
5.54.02
